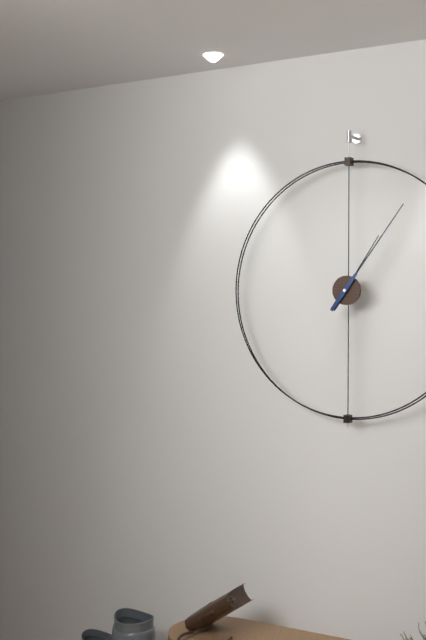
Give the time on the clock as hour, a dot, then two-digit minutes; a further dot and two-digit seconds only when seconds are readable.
1.06
